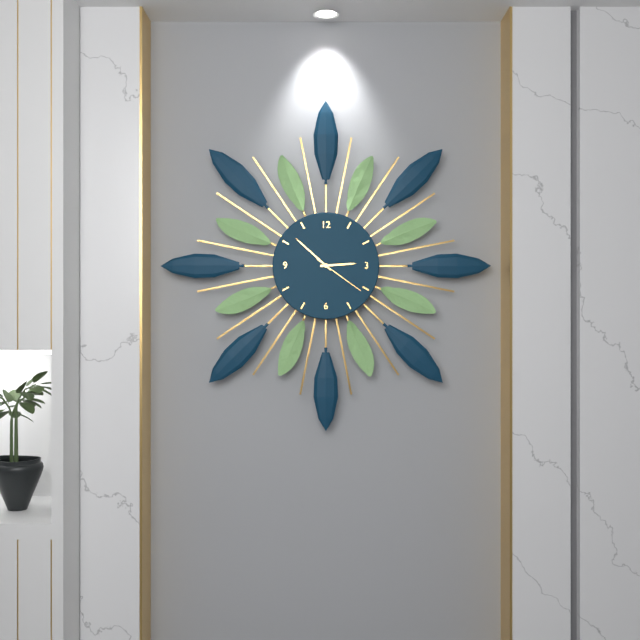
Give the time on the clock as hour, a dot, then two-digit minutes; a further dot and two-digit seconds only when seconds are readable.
2.52.21
